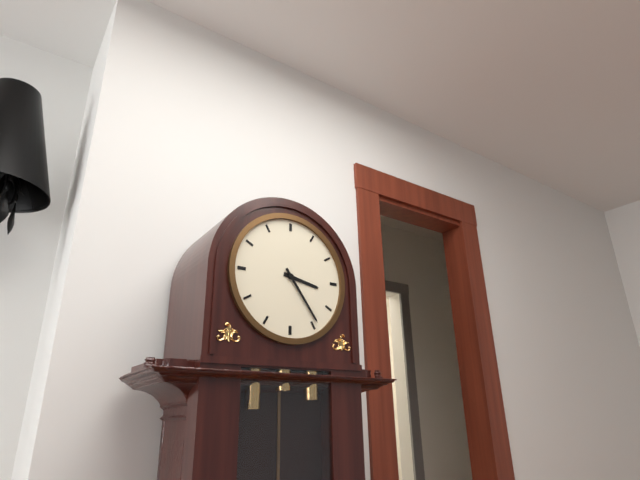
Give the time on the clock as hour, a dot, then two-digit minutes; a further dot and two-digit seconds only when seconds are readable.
3.24
